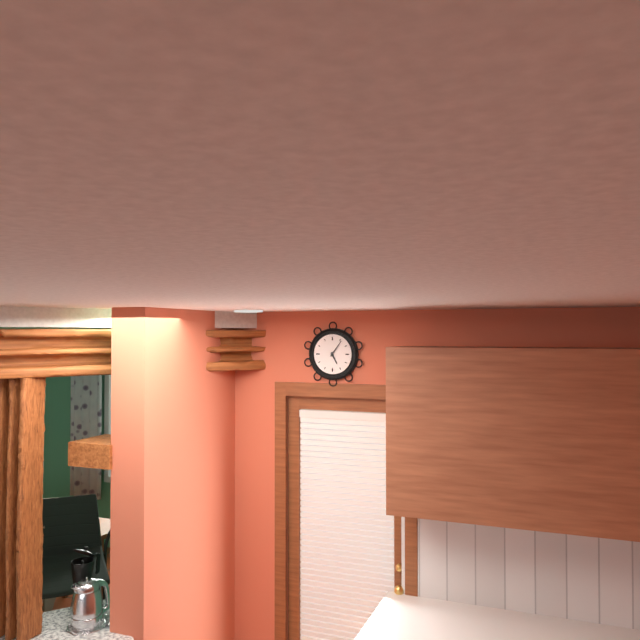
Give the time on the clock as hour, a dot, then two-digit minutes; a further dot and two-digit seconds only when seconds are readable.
5.06
